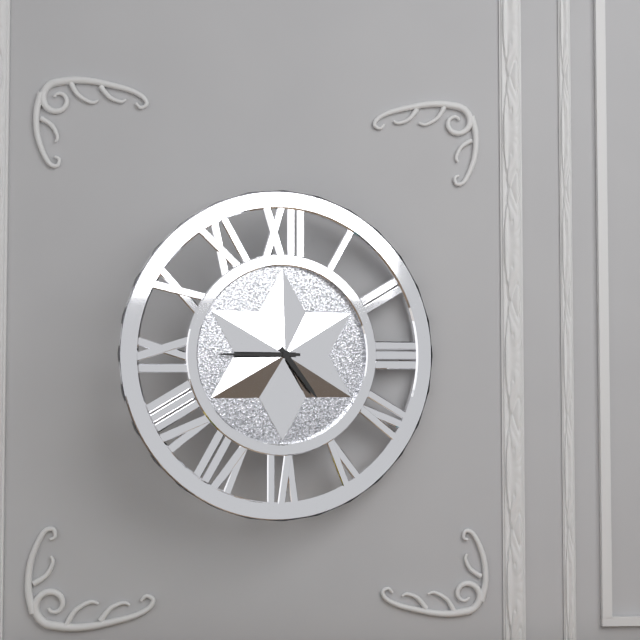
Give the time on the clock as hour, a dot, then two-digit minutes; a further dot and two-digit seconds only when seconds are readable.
4.45
